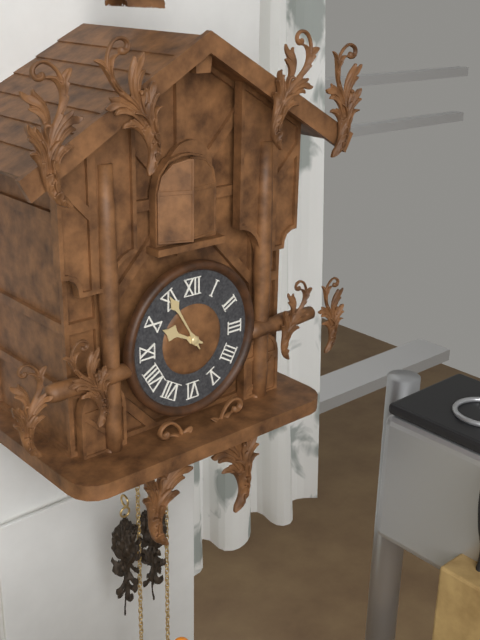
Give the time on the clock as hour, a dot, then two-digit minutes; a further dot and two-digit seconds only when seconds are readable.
9.55
